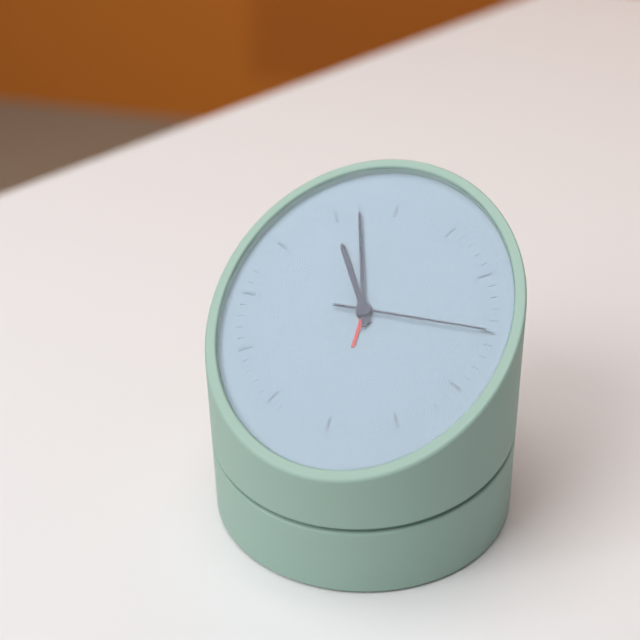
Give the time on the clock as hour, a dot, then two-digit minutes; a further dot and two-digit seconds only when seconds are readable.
10.57.15
